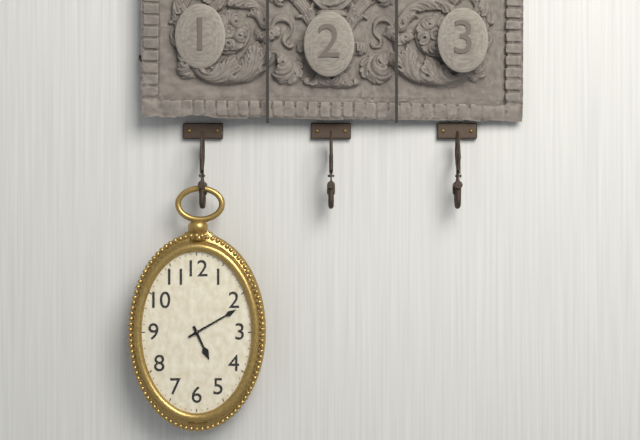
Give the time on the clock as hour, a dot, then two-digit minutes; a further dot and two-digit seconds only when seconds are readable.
5.10
